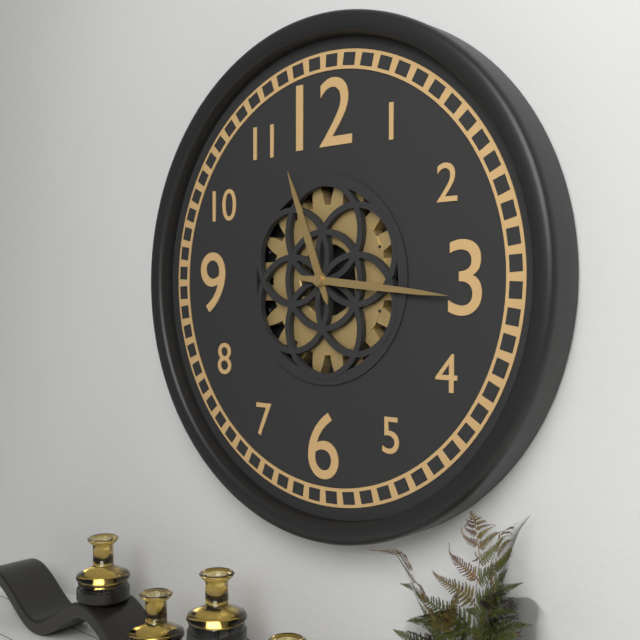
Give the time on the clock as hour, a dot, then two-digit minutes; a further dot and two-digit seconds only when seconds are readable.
11.16
